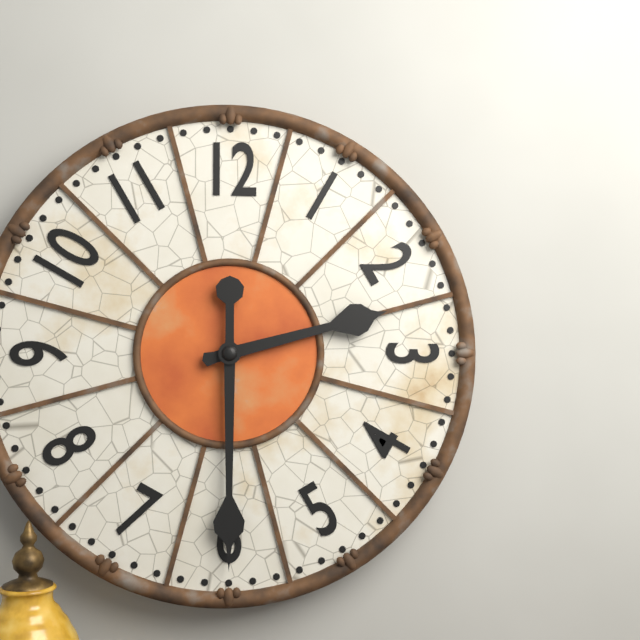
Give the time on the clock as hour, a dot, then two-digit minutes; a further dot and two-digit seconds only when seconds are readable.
2.30
